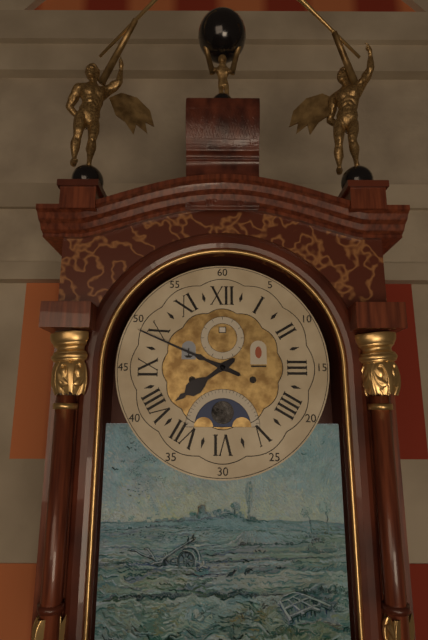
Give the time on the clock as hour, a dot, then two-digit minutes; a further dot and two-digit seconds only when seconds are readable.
7.49
